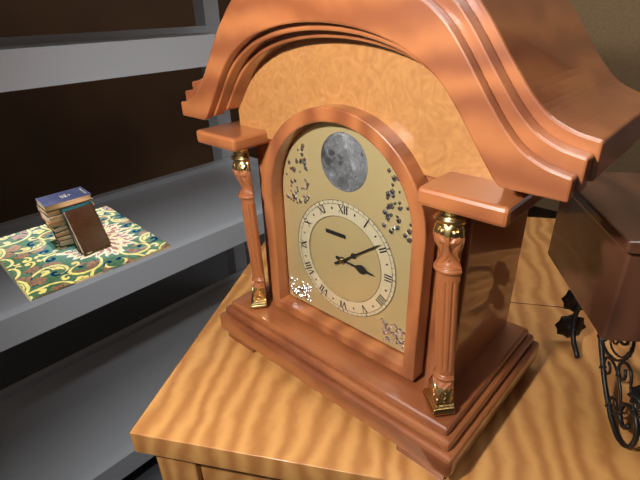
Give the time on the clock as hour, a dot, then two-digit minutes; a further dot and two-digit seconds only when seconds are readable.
3.09
